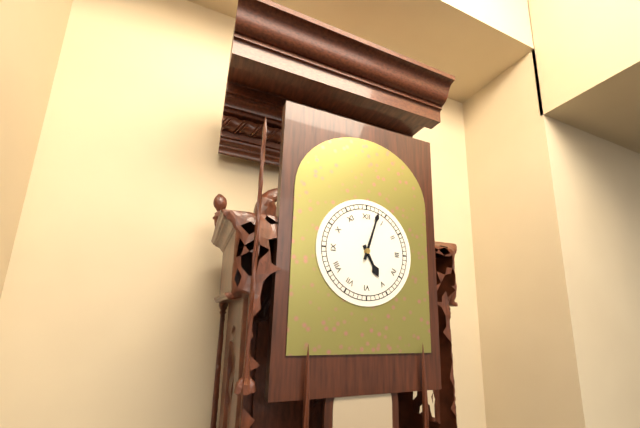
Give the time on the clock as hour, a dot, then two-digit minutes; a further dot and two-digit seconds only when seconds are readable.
5.03
